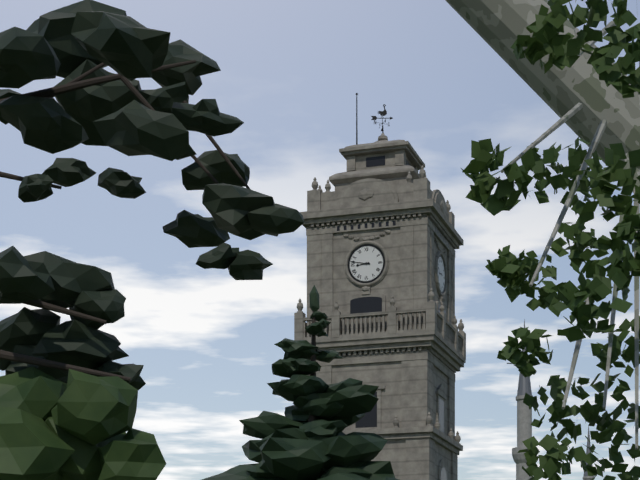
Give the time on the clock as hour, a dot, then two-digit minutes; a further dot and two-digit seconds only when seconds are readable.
8.47
